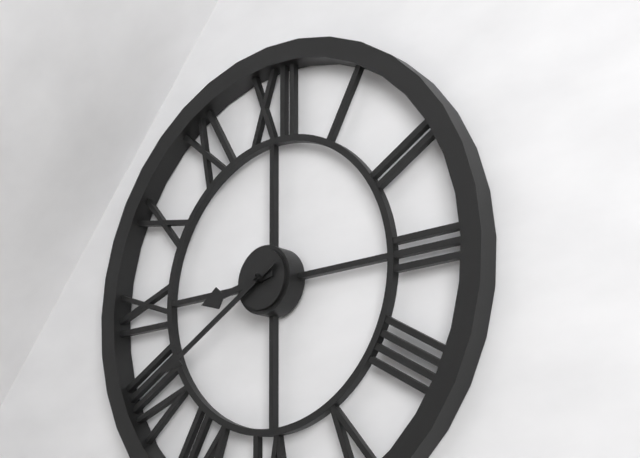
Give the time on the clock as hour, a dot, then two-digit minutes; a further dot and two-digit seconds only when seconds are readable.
8.40
